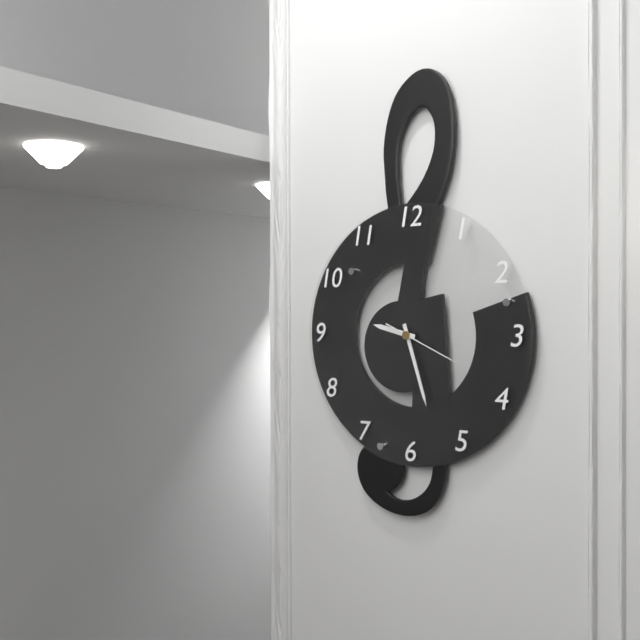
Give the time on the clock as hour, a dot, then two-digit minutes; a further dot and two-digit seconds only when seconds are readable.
9.27.19
